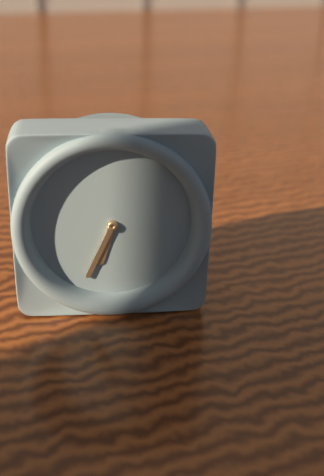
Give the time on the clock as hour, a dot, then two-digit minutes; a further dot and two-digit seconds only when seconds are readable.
6.34
